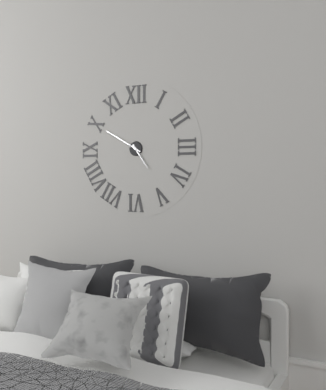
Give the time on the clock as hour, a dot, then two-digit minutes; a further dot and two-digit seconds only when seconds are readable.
4.50
